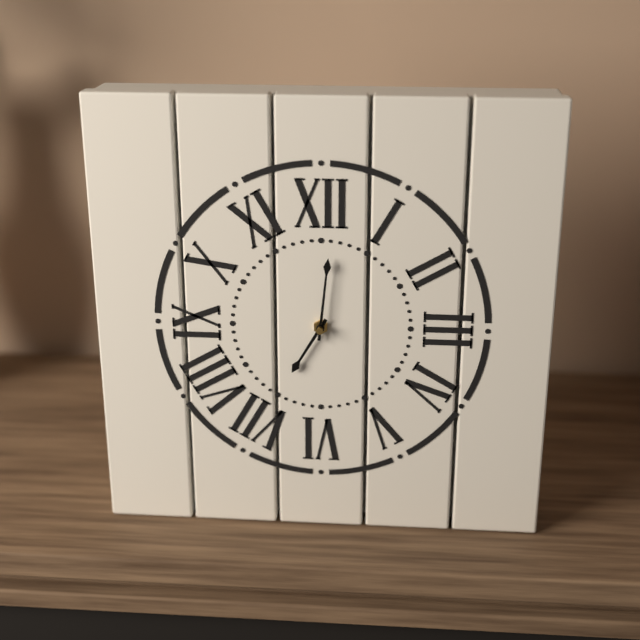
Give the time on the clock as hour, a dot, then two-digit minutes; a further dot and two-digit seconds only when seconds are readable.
7.01
